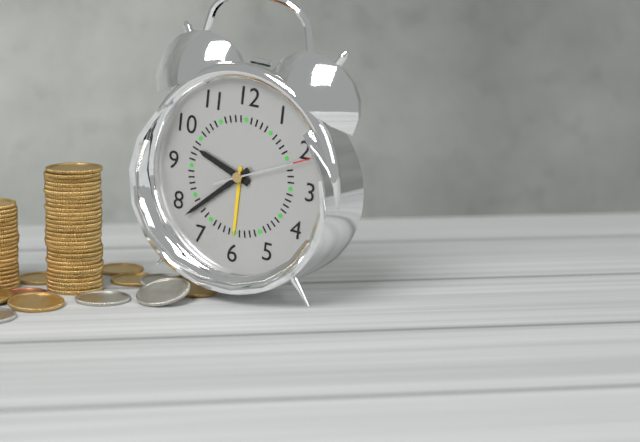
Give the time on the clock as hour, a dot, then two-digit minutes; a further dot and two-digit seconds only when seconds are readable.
9.38.11
